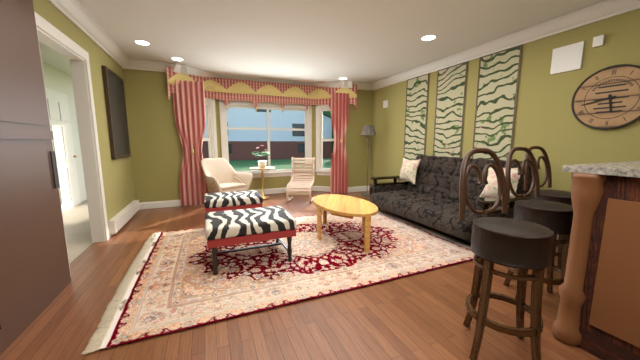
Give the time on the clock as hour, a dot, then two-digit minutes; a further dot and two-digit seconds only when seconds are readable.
5.43
